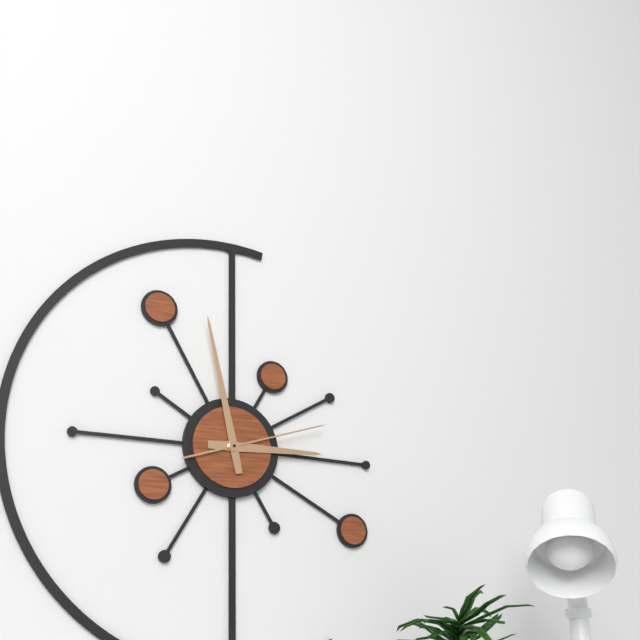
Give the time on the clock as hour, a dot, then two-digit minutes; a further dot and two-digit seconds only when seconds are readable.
2.58.12
